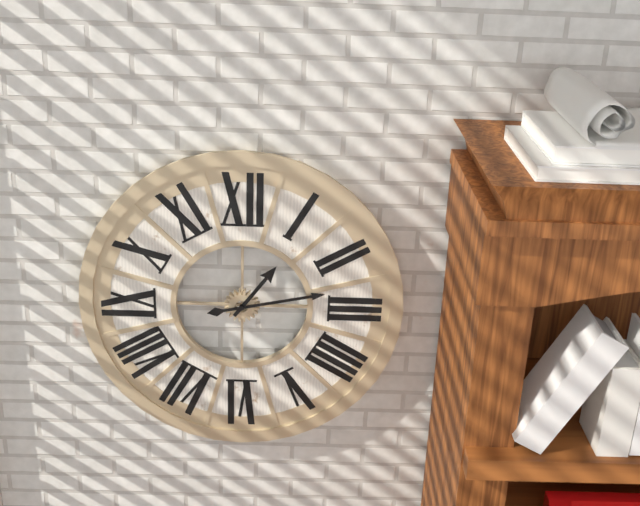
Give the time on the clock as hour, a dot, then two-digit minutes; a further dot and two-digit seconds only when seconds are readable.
1.13
